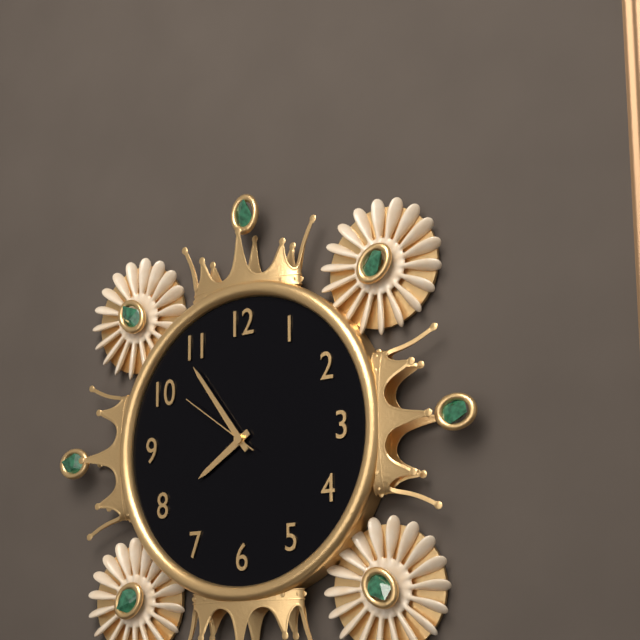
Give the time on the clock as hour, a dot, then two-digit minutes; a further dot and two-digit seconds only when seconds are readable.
7.54.51
